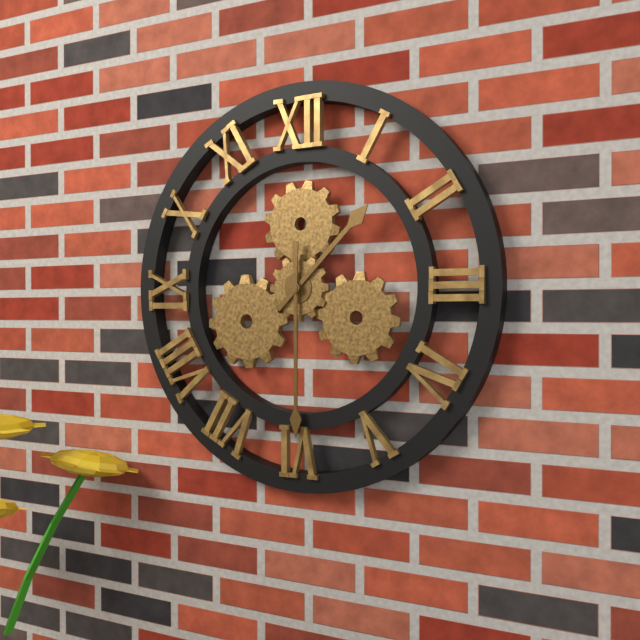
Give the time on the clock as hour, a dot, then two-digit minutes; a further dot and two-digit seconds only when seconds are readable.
1.30
